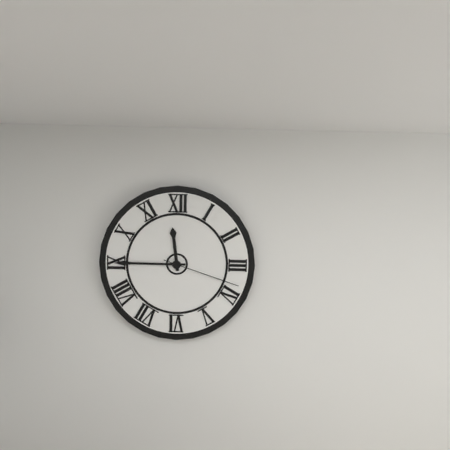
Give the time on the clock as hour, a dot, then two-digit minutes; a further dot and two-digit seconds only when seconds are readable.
11.45.18
